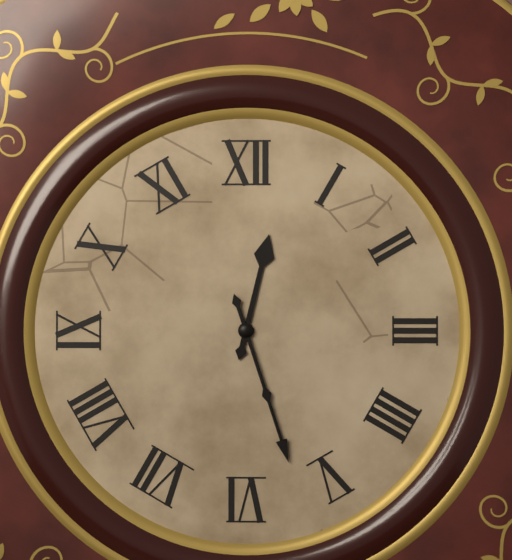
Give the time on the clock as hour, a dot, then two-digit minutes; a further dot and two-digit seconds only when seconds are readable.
12.27
